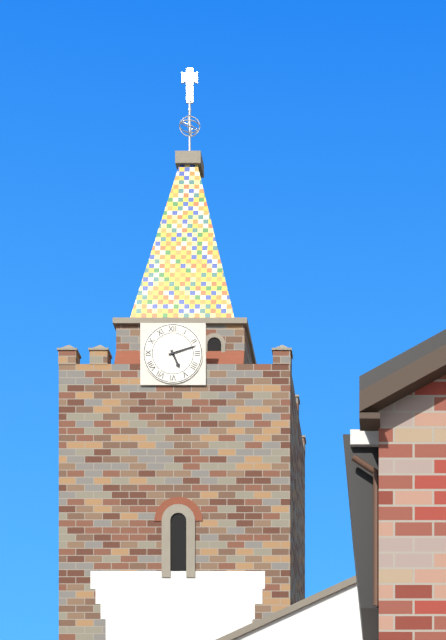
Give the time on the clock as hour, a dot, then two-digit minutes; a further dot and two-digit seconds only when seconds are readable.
5.12
